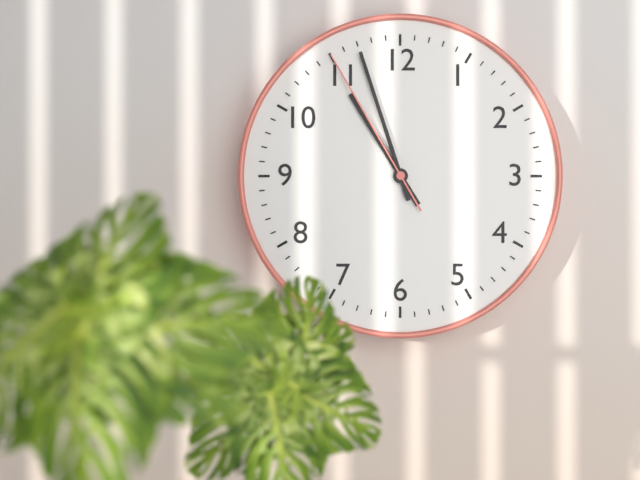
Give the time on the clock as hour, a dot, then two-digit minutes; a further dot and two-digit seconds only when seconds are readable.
10.57.55
